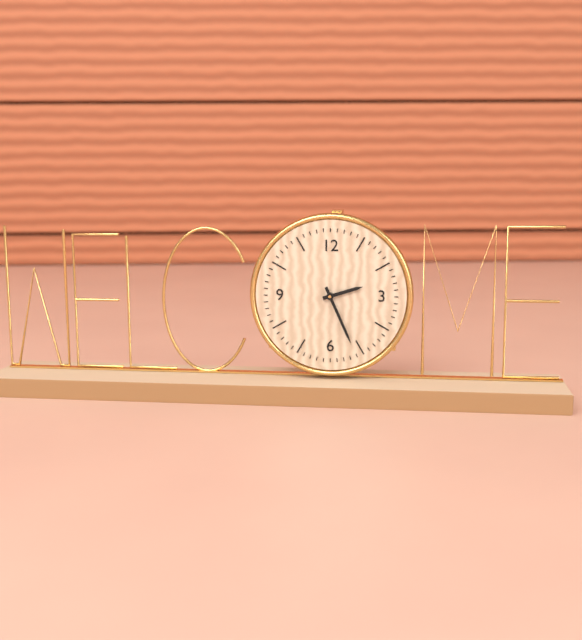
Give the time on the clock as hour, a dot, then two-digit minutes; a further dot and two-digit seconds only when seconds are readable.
2.26
